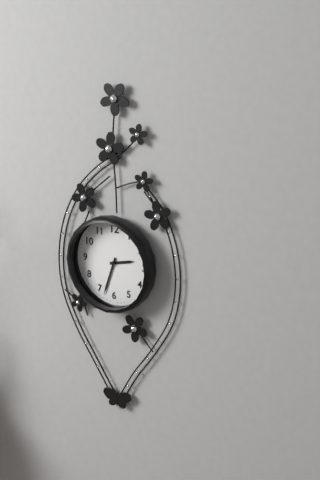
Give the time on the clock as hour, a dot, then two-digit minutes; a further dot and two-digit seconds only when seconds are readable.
2.33
